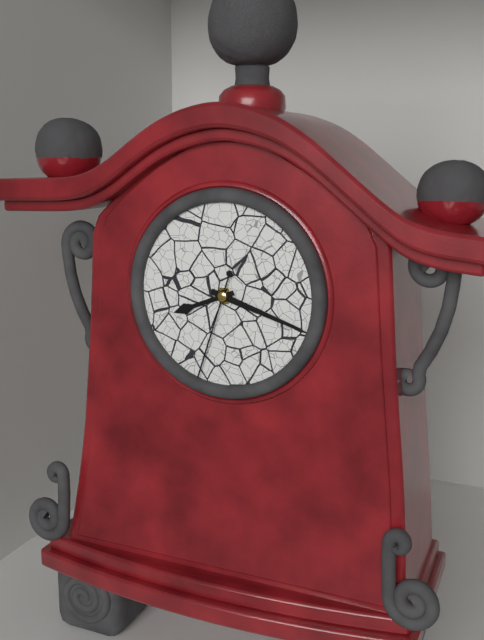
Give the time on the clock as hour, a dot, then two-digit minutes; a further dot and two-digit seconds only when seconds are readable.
8.18.33
